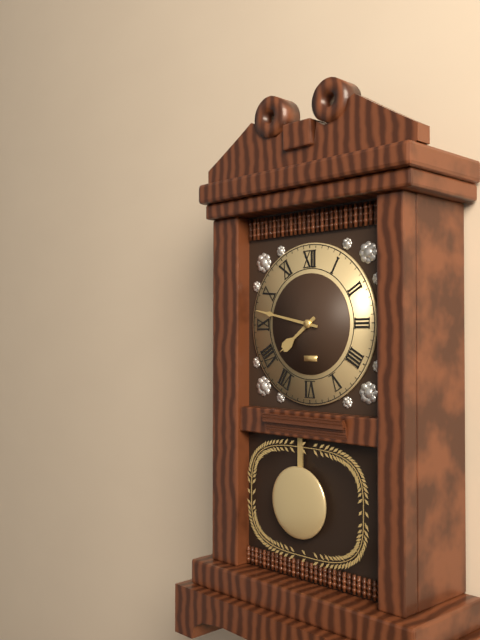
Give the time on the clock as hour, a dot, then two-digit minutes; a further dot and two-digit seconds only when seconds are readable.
7.47
